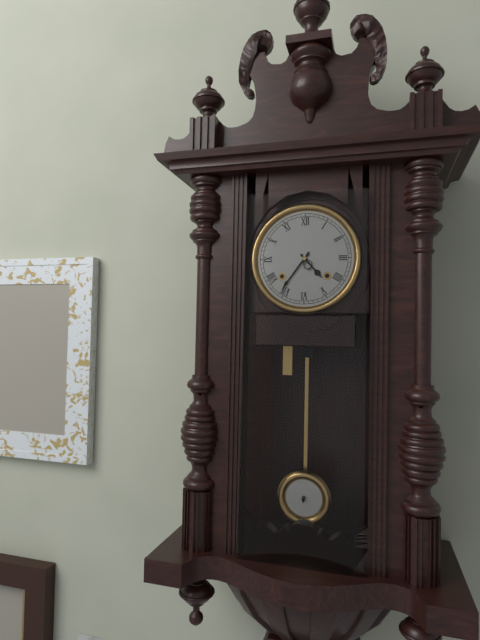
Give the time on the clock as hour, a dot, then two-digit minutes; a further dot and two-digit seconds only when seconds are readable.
4.36
